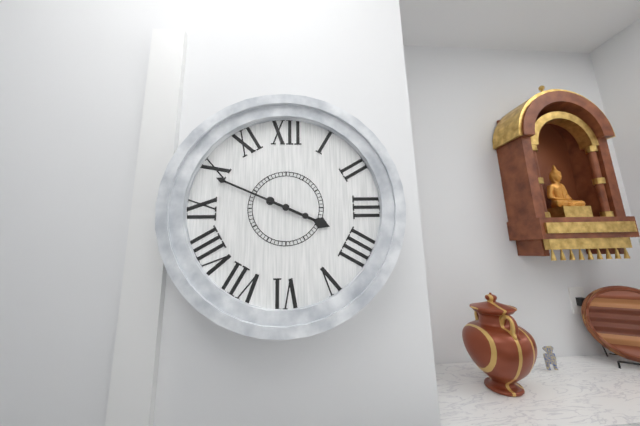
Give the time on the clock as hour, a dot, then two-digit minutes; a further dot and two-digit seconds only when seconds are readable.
3.49
